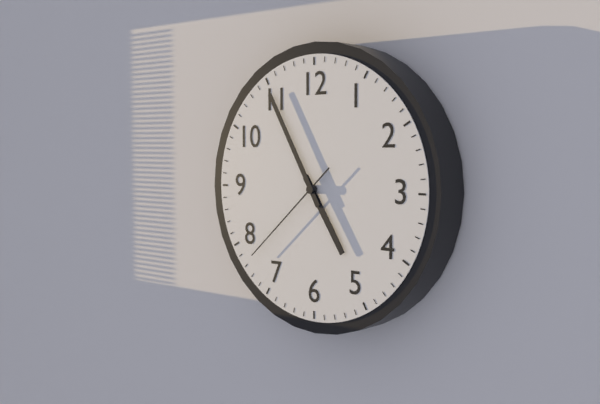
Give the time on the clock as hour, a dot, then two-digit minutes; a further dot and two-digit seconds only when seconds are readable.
4.55.38
